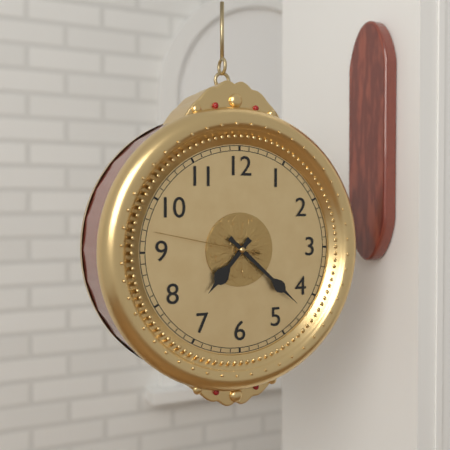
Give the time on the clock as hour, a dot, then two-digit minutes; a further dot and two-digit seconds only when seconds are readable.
7.22.47
